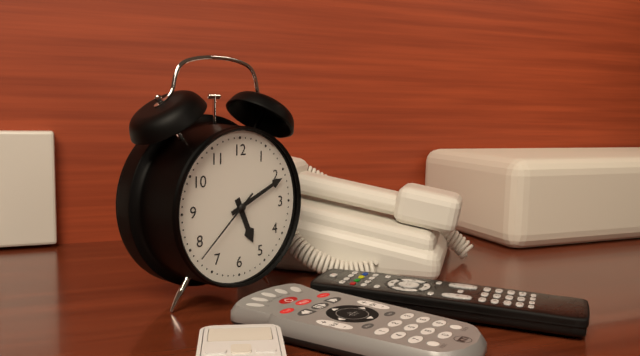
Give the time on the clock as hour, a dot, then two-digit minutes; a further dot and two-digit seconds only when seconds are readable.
5.11.38
